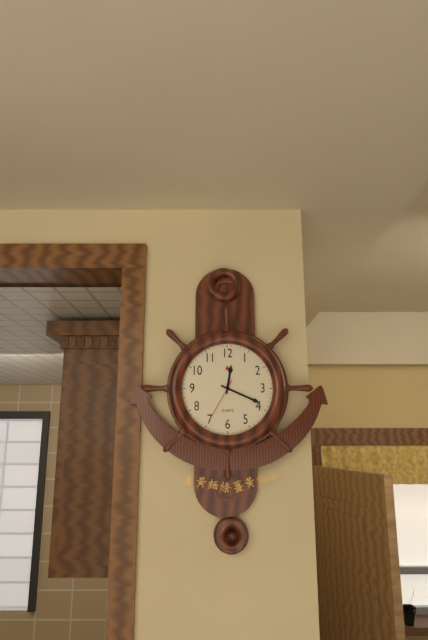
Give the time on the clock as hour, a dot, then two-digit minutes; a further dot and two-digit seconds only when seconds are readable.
12.19
